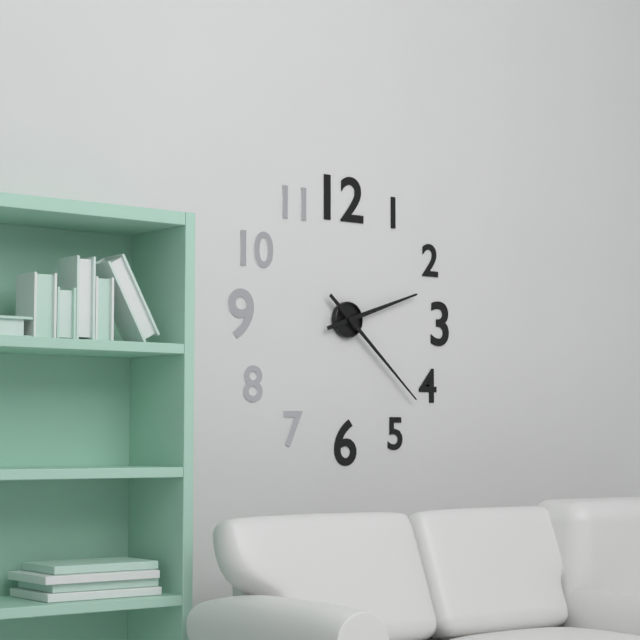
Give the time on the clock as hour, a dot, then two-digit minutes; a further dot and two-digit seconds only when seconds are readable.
2.22
